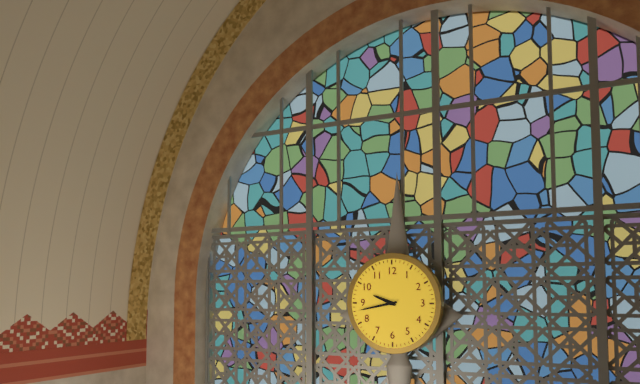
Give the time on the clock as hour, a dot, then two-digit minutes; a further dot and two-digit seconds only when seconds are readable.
9.43
